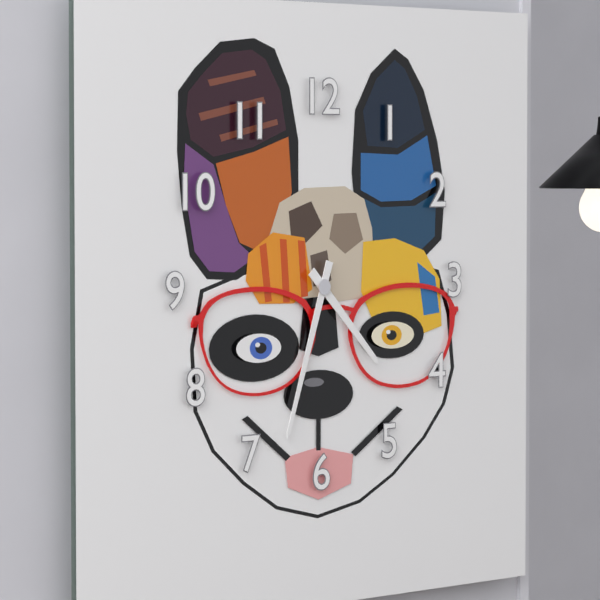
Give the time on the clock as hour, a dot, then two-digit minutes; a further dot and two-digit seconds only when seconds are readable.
4.33
